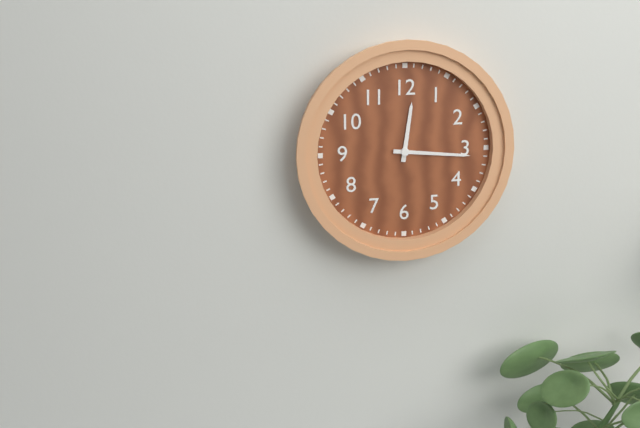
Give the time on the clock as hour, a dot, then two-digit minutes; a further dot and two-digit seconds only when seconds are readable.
12.16
